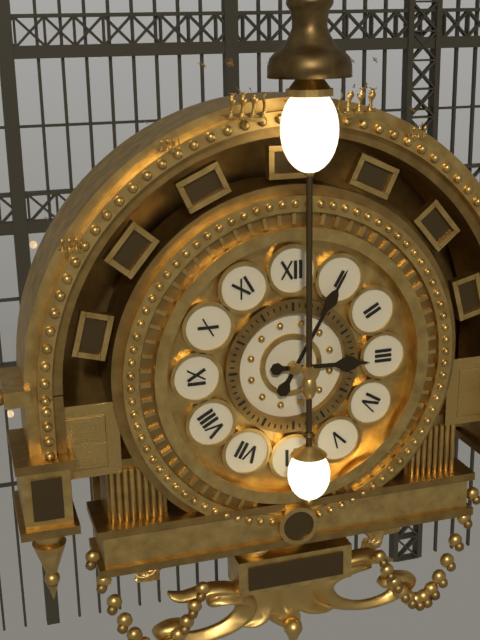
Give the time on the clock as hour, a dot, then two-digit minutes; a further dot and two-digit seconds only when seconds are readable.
3.05
